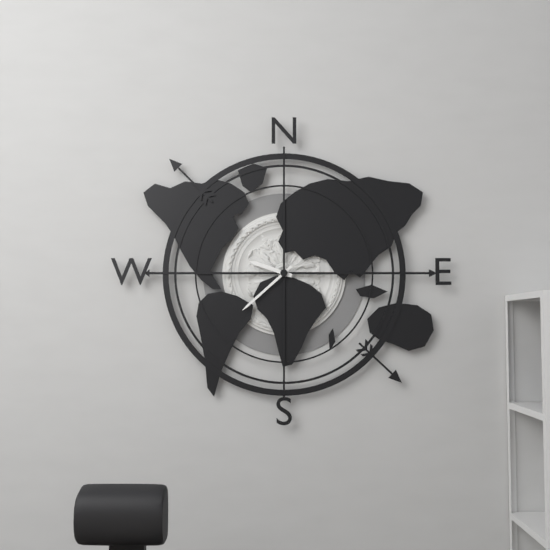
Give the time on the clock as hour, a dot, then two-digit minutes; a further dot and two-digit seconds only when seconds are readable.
9.38
